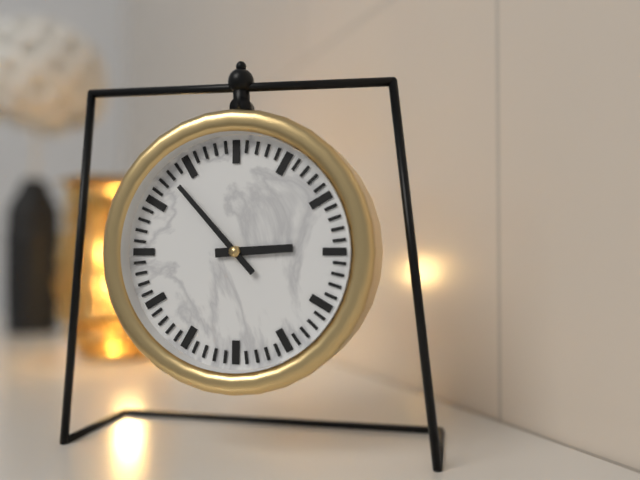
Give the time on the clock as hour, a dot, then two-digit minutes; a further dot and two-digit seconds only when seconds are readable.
2.53
